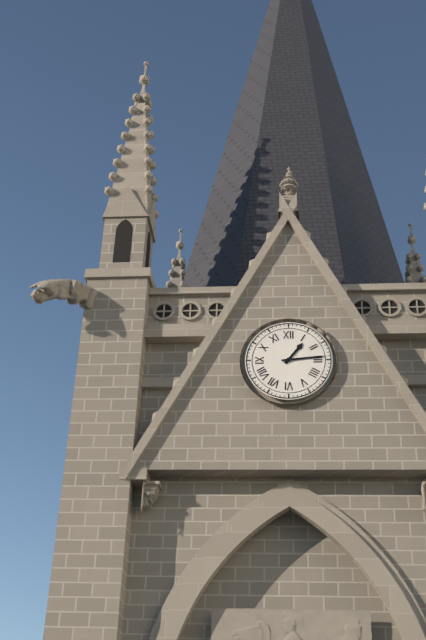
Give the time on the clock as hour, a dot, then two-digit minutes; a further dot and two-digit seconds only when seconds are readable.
1.14
